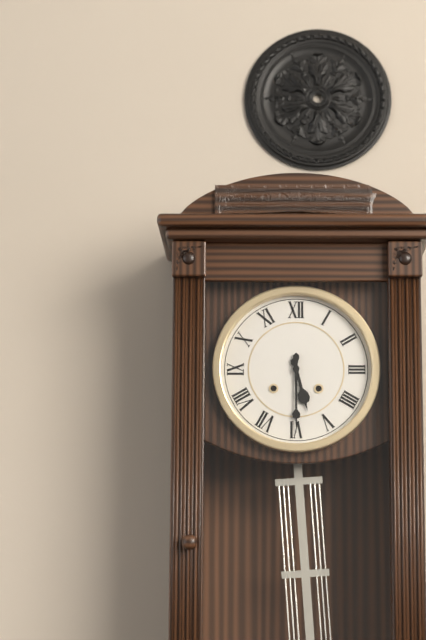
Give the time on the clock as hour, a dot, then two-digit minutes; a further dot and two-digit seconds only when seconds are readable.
5.30
